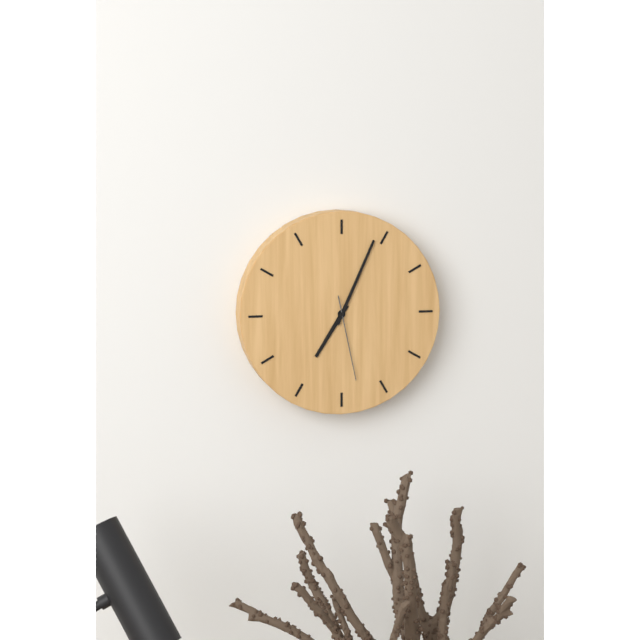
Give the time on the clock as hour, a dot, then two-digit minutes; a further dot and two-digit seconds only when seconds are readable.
7.04.28
